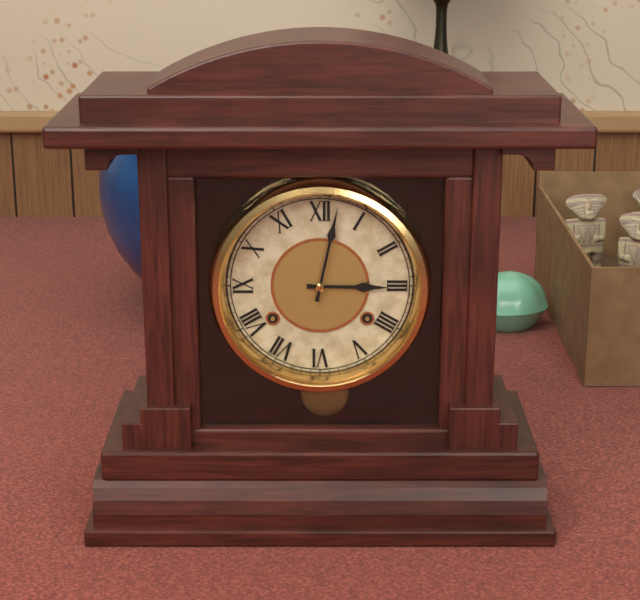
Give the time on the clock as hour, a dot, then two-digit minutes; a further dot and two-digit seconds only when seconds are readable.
3.02
